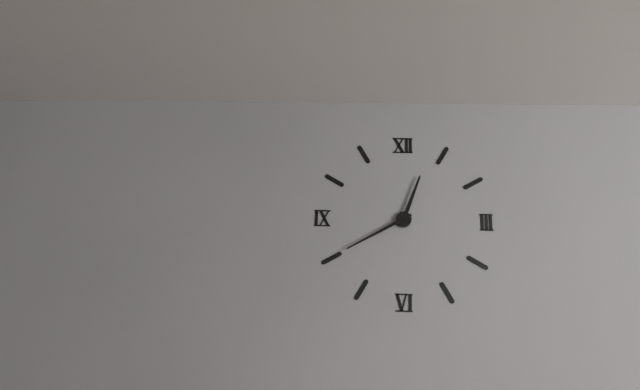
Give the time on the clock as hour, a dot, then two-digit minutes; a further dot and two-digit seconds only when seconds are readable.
12.40
